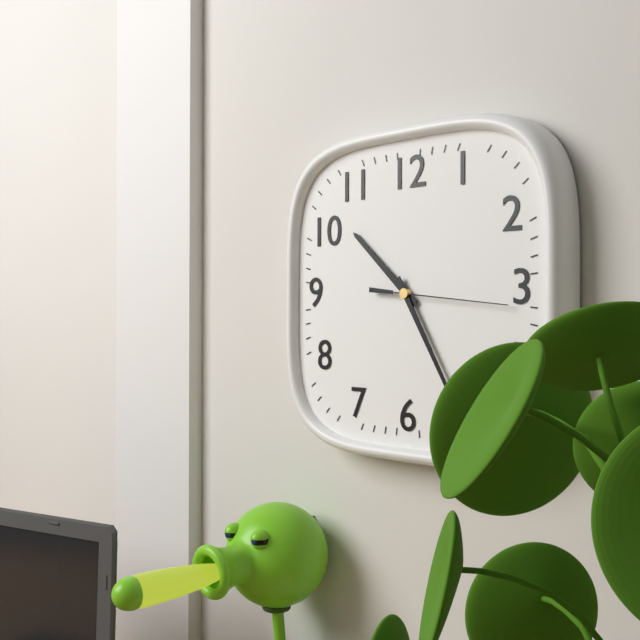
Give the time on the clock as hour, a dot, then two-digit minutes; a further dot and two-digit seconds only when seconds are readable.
10.25.16
